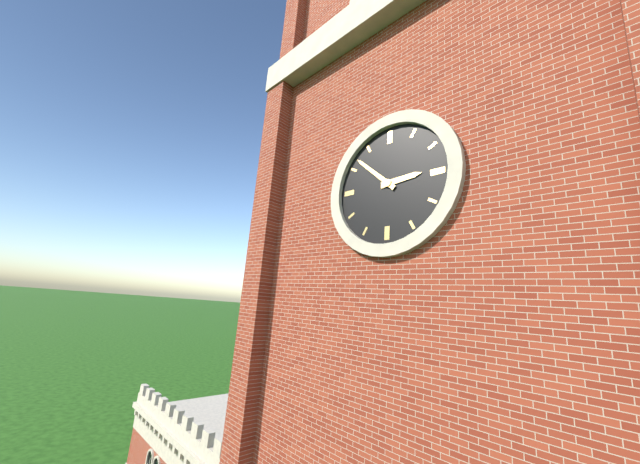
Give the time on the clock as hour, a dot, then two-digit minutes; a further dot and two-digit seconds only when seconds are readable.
2.52
